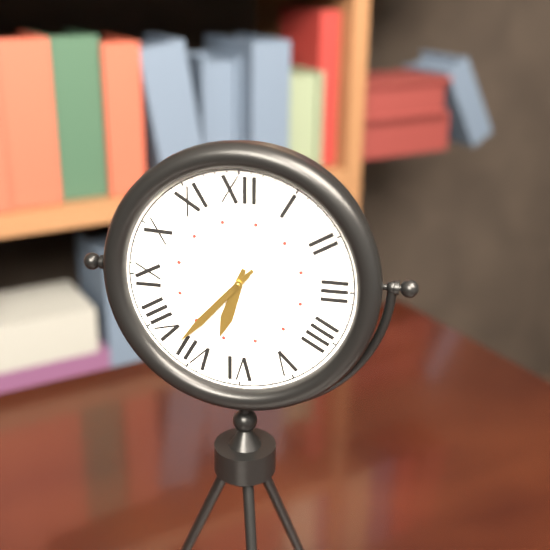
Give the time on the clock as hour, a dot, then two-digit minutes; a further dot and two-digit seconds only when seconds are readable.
6.37
